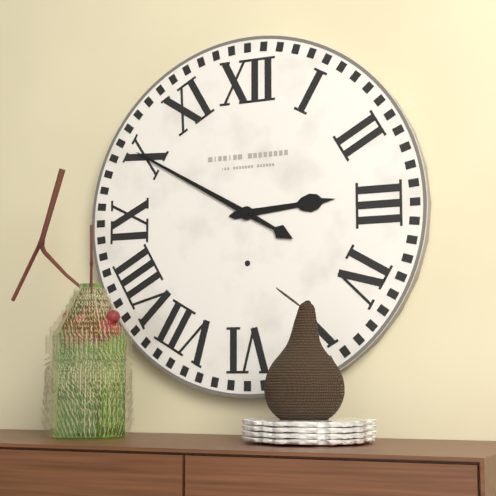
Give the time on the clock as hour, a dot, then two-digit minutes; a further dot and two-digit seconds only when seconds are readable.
2.50
